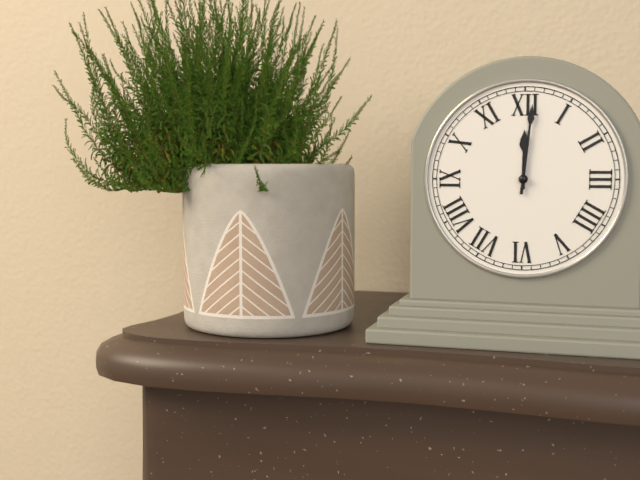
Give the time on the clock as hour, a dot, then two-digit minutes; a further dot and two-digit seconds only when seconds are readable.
12.01
